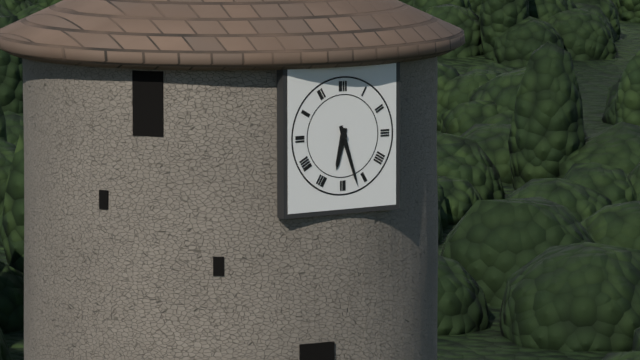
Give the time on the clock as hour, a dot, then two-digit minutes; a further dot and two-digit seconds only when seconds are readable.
6.27
